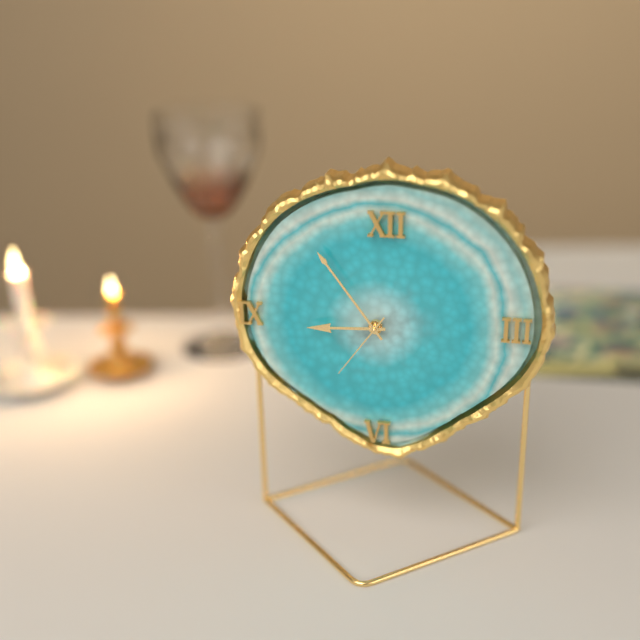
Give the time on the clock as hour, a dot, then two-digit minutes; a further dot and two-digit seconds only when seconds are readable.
8.54.36
